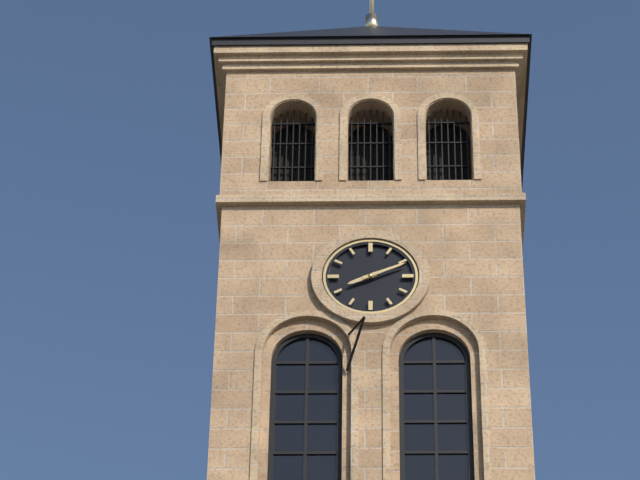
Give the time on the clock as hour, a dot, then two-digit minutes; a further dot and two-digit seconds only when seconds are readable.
8.11
